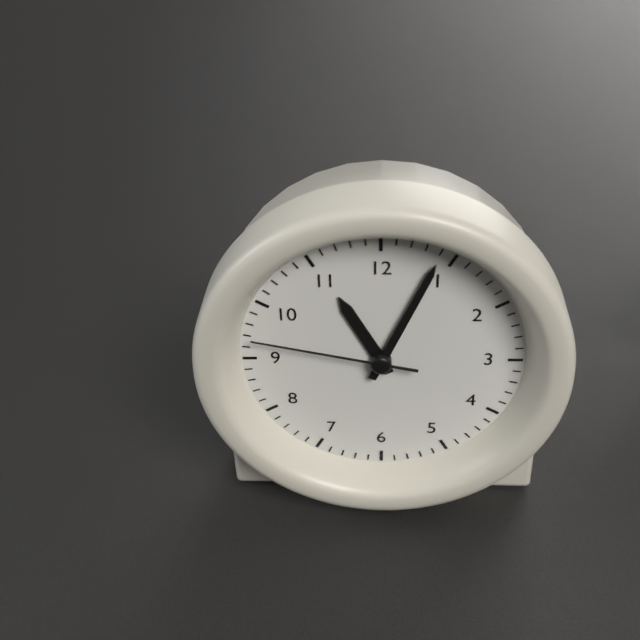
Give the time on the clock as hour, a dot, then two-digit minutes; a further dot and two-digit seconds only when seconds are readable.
11.04.47
